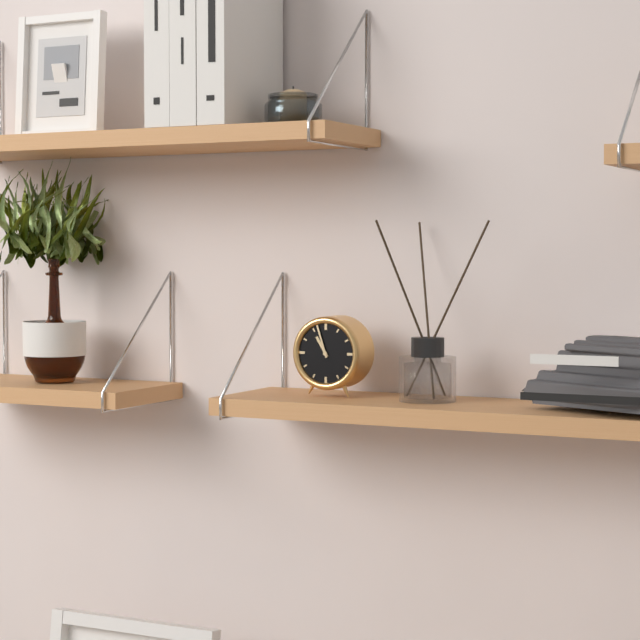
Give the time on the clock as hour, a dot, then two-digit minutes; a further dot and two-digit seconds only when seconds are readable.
10.57
